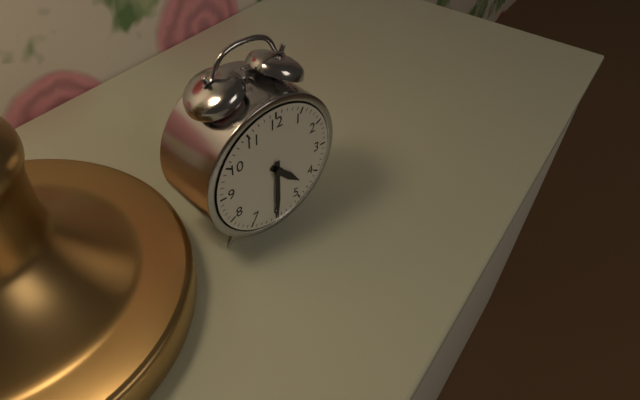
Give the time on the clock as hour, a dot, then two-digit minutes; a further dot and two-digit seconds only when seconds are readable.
4.30
